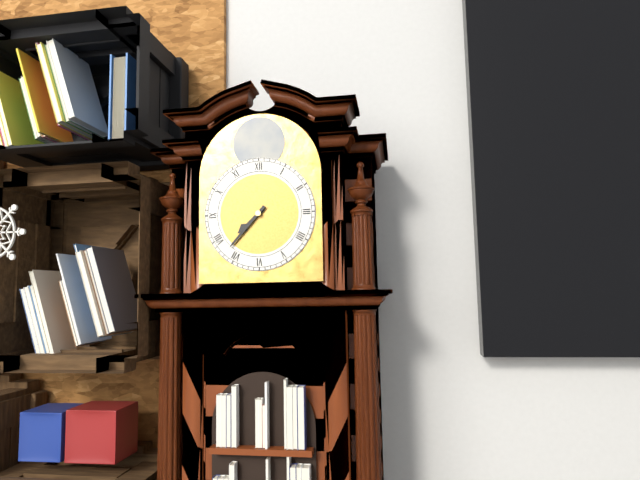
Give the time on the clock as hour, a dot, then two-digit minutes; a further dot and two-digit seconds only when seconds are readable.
7.37
